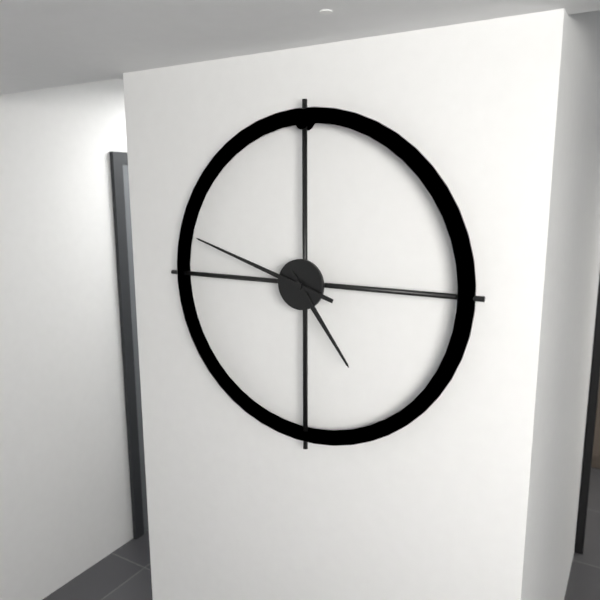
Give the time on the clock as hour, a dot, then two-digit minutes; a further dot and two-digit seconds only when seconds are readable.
4.48
